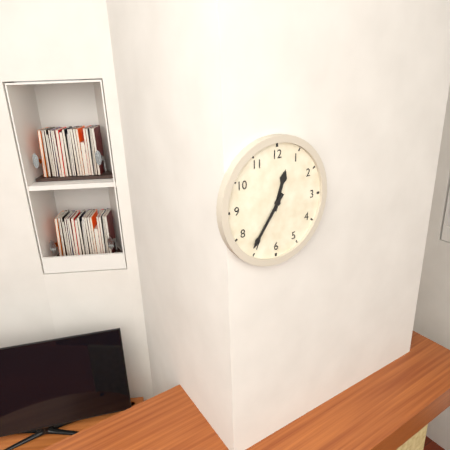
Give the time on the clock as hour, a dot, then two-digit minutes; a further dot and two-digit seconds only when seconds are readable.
12.36
